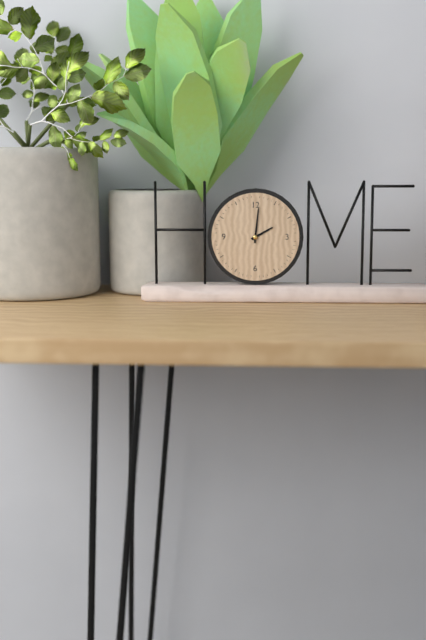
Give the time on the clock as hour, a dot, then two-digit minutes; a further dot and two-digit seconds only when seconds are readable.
2.01
